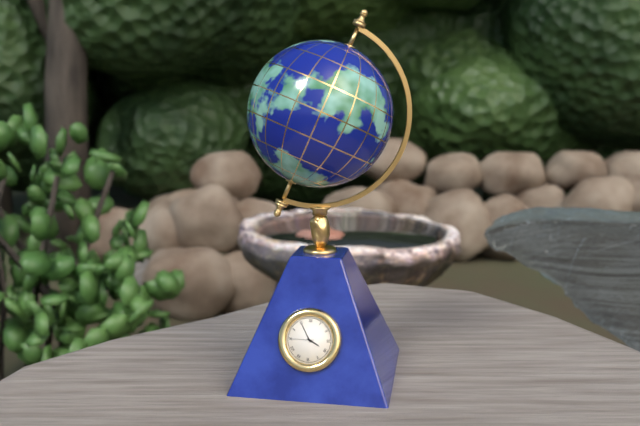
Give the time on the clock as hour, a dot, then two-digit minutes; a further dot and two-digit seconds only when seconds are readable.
3.55
